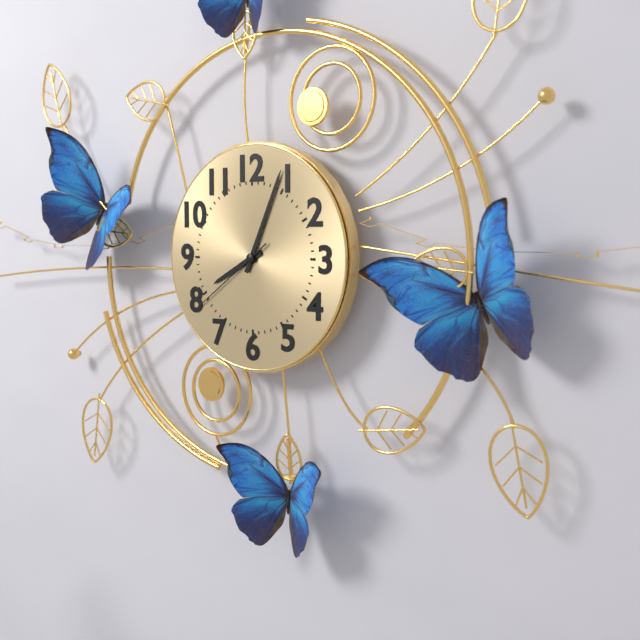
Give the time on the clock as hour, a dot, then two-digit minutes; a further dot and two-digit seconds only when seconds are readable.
8.04.39
